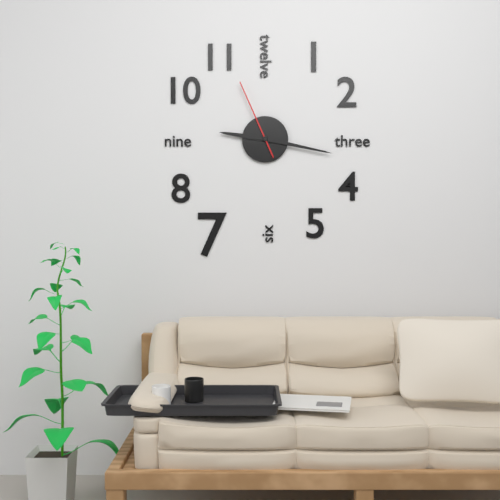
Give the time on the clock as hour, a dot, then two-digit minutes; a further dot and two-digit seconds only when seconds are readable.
9.17.56
